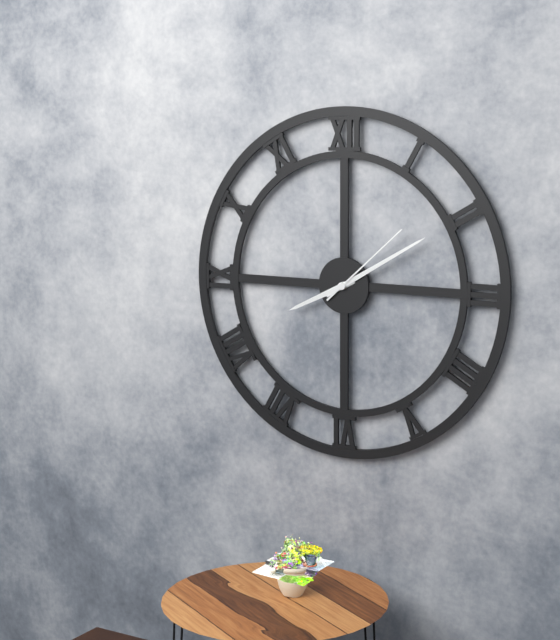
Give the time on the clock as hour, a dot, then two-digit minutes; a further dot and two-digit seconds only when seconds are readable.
8.10.08
